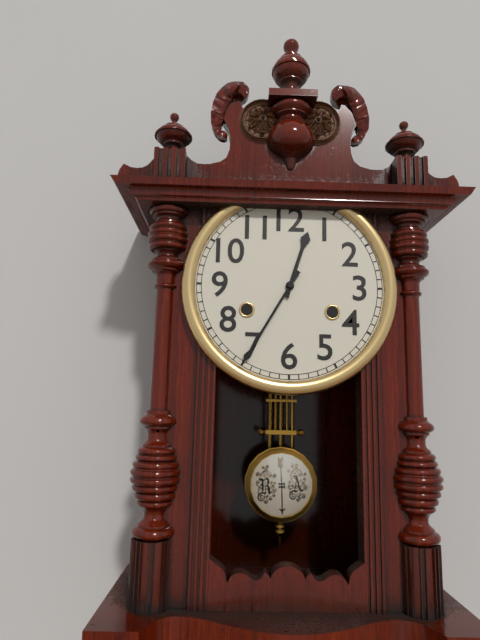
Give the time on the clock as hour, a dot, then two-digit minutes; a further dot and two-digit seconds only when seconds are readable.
12.35
